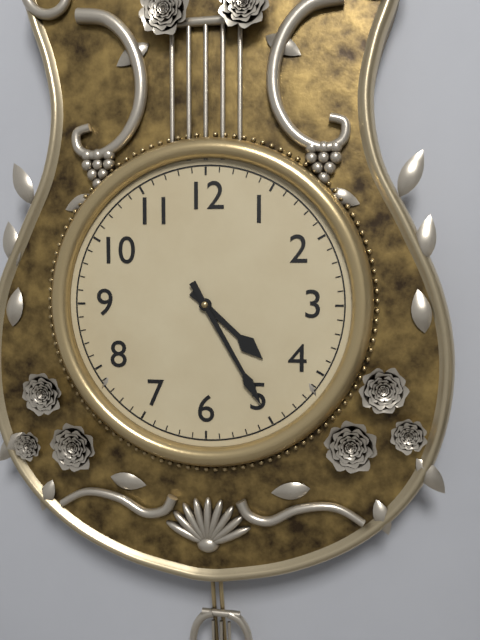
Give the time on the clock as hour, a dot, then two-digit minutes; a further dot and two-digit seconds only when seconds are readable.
4.25
